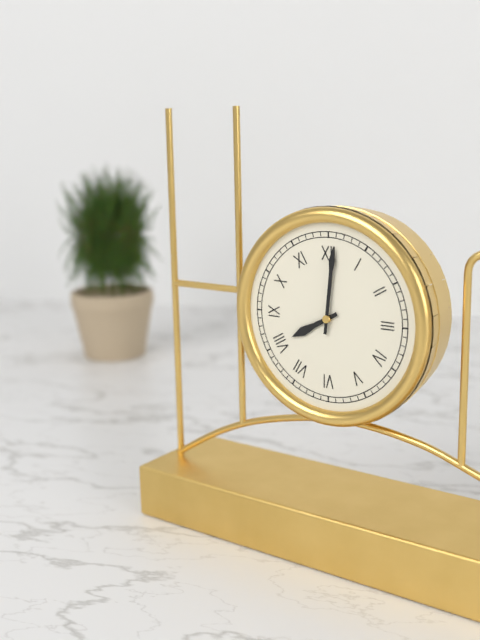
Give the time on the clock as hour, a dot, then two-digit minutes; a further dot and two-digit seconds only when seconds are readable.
8.01
